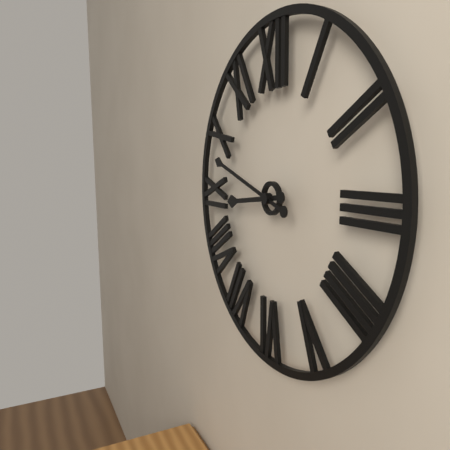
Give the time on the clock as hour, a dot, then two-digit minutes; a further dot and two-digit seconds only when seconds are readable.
8.48
